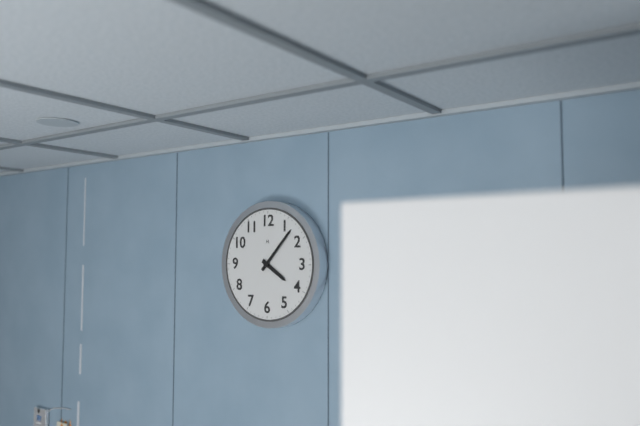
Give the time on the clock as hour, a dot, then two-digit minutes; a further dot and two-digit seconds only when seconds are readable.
4.07
